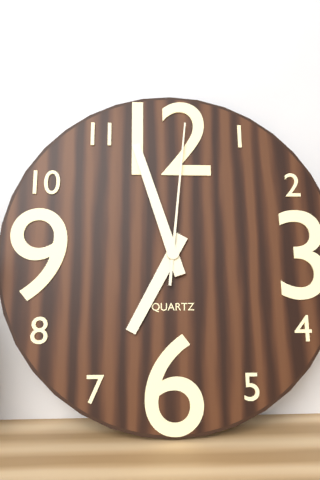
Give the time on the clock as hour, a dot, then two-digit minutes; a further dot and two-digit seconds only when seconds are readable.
6.57.01
